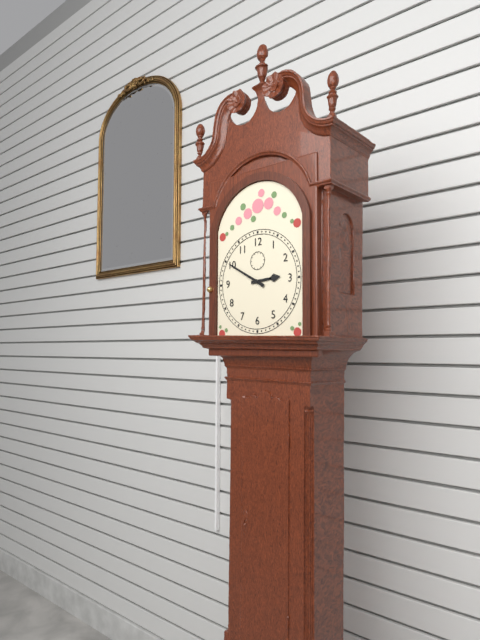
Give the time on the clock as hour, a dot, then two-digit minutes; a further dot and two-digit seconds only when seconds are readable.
2.50
